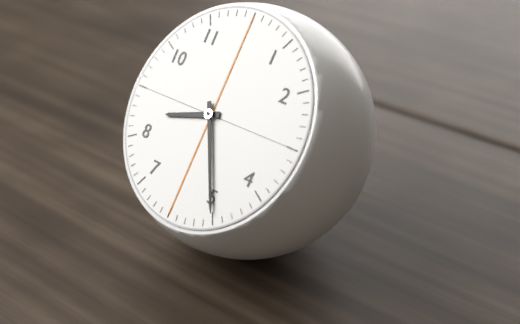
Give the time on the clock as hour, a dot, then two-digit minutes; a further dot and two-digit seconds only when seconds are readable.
8.25
